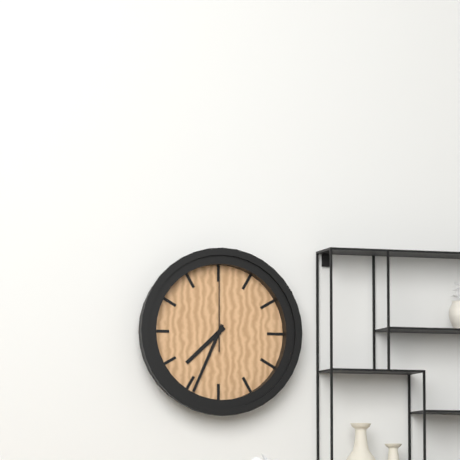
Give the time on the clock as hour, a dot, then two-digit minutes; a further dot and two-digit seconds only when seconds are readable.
7.34.00
